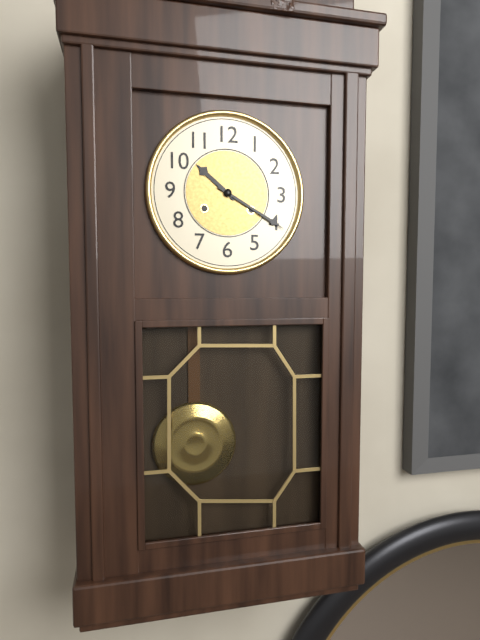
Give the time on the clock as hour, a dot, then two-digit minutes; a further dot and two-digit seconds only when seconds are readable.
10.20
